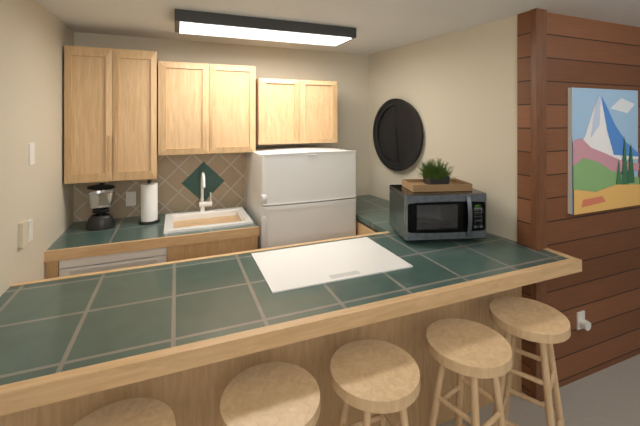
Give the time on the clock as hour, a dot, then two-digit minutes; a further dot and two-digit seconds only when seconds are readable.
2.29
